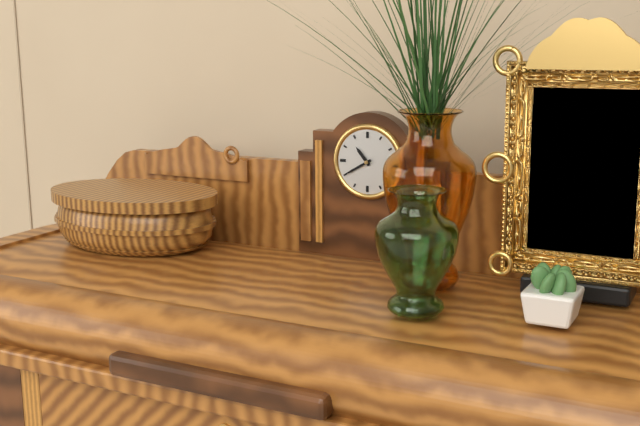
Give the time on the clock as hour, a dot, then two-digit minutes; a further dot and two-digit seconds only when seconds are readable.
10.40
